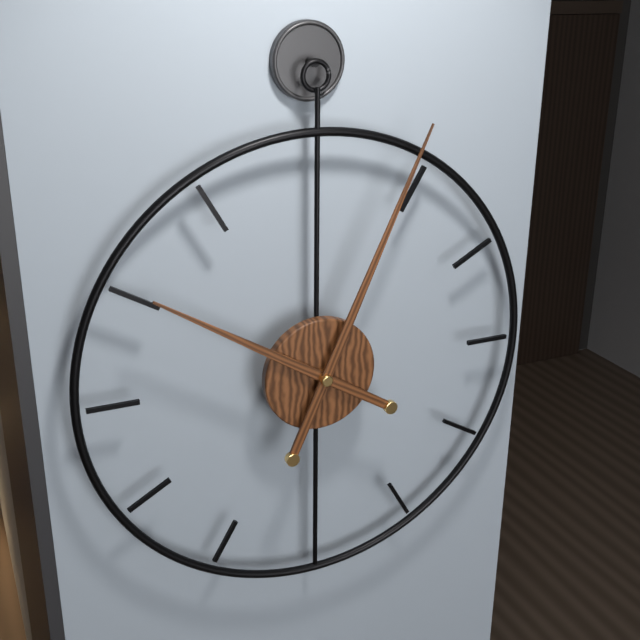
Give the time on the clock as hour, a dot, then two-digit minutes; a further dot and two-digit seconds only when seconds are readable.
10.04
